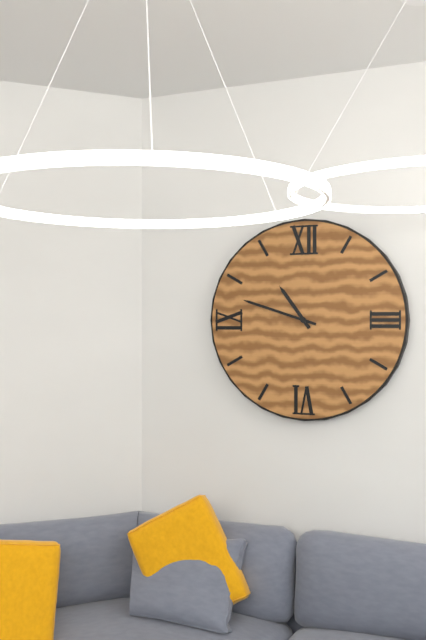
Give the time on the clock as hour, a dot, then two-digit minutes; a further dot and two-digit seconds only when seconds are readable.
10.48
